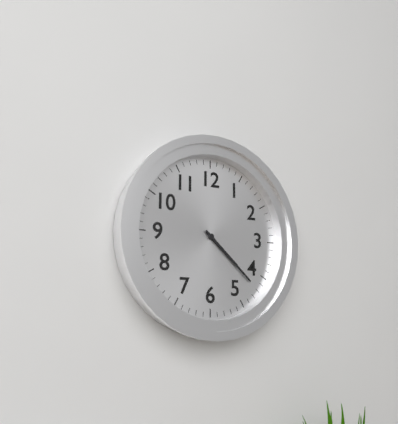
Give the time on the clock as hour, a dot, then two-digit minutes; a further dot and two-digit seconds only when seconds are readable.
4.22
